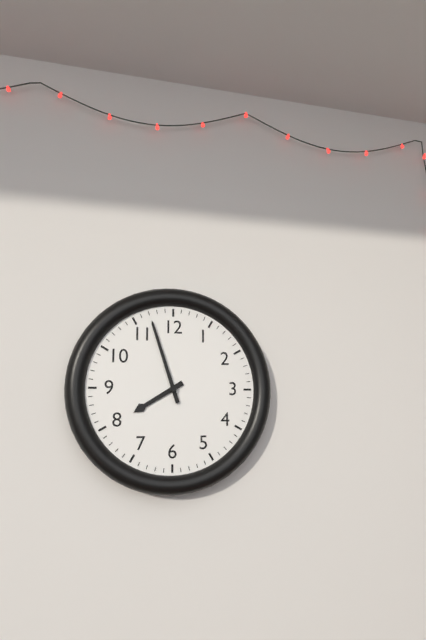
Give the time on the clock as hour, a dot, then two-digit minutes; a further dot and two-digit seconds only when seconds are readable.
7.57
